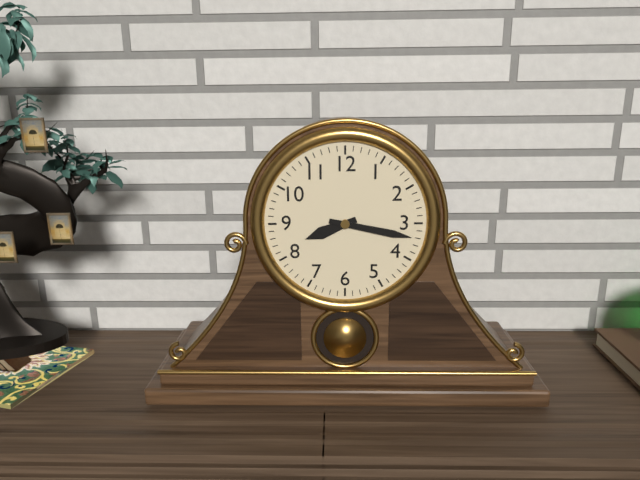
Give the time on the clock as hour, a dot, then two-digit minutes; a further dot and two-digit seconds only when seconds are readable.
8.17
